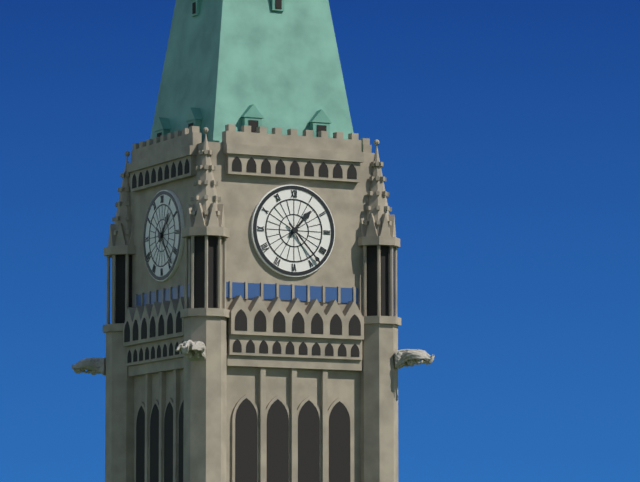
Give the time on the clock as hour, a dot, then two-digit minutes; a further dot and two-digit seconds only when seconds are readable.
1.23
